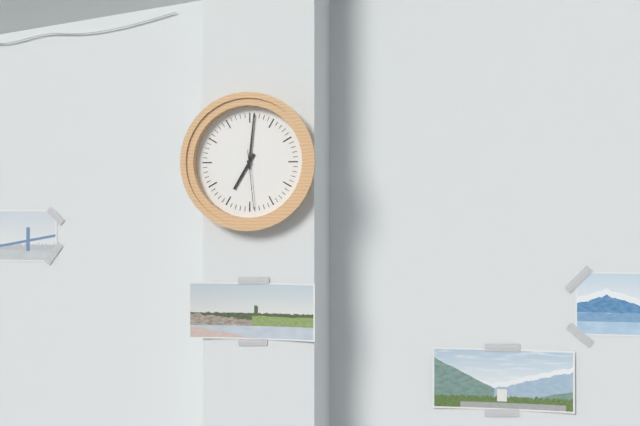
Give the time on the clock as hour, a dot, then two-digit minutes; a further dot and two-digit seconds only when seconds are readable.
7.01.29
